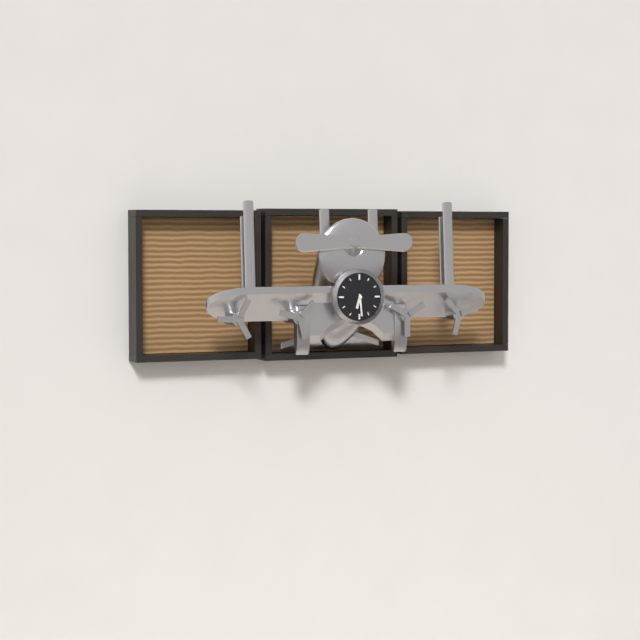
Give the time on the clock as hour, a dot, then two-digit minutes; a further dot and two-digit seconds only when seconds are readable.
6.29
